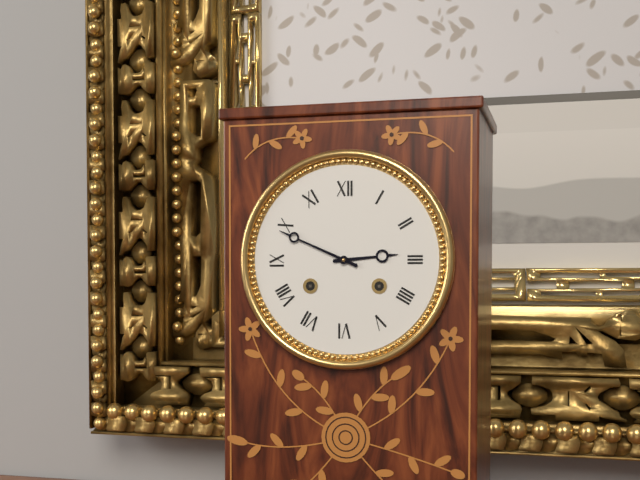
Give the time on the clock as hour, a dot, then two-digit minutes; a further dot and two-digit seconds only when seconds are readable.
2.49
